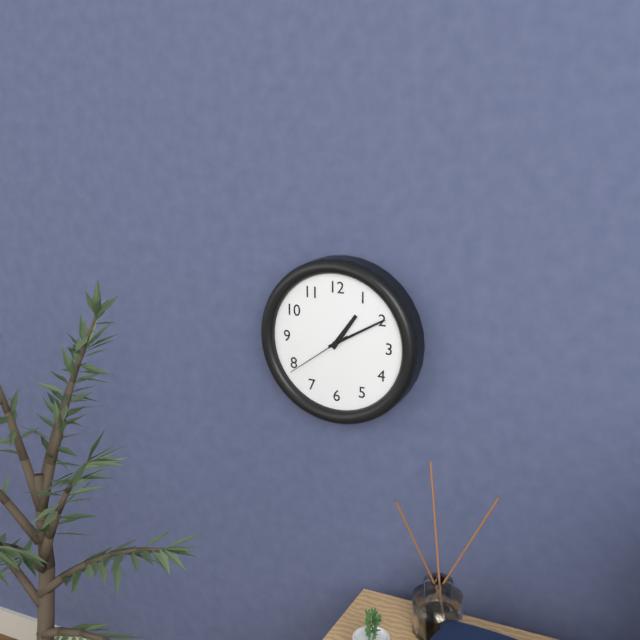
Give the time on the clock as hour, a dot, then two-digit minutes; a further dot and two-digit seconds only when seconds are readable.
1.10.39
